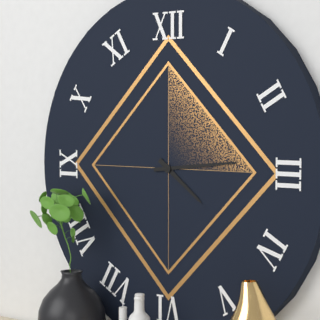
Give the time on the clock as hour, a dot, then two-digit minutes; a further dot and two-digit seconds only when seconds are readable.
4.14
